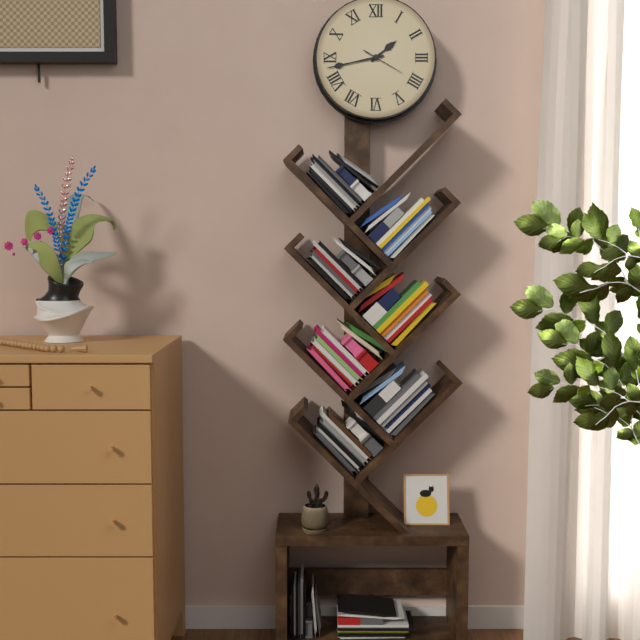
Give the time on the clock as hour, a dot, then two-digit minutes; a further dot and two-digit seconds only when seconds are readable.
1.43
